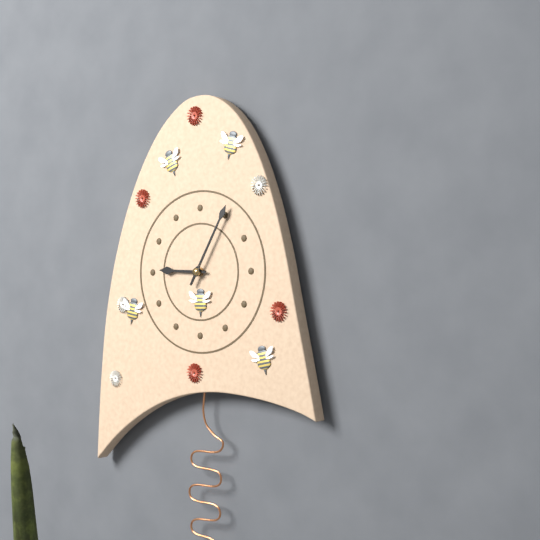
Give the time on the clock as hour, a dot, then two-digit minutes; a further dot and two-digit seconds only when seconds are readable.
9.05
